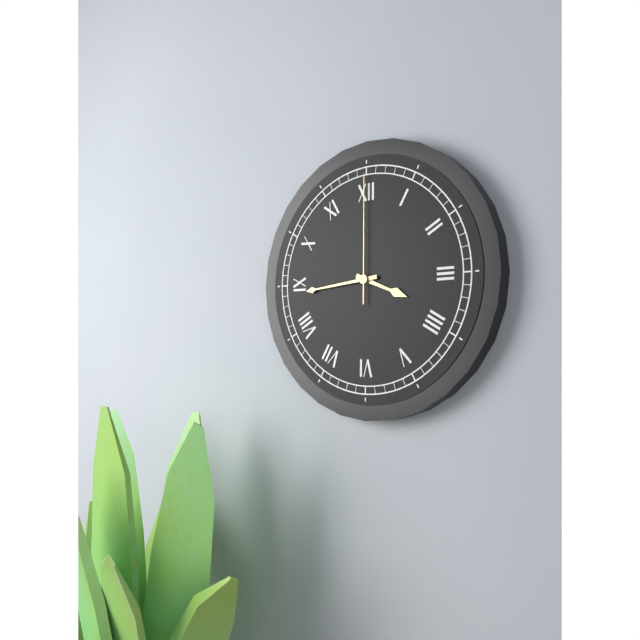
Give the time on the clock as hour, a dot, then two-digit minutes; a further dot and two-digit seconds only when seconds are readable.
3.44.00
